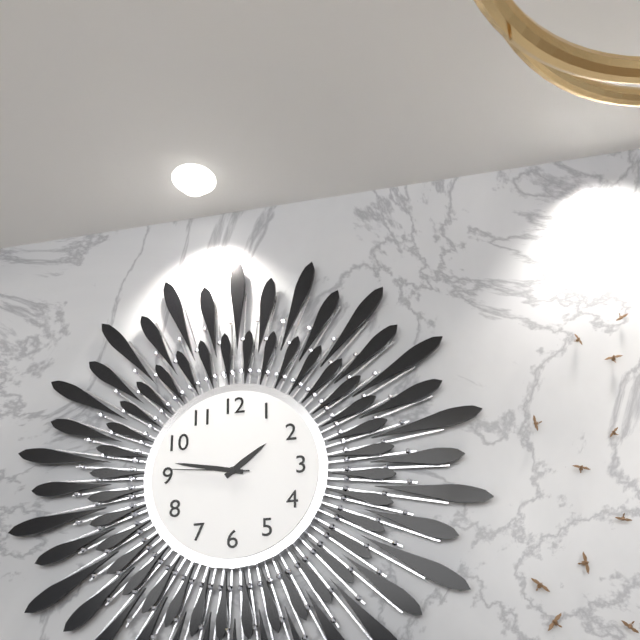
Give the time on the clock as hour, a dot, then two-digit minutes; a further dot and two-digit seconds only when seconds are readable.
1.47.46
